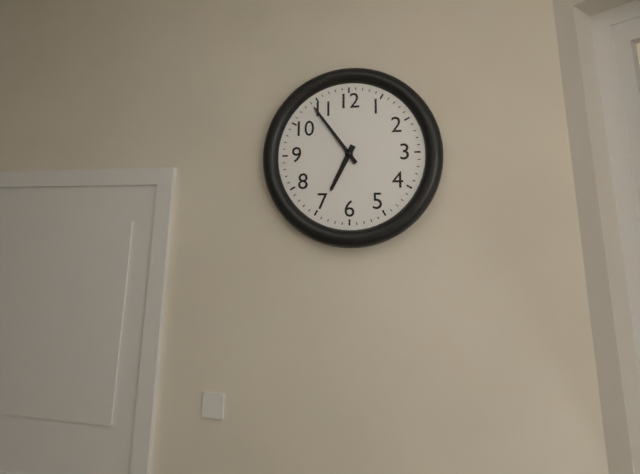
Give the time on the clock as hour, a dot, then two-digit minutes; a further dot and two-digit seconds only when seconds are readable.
6.54
